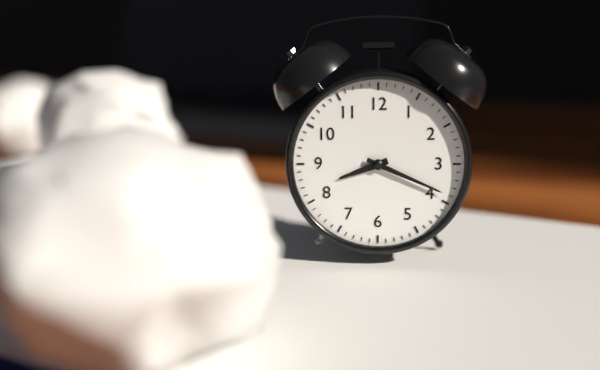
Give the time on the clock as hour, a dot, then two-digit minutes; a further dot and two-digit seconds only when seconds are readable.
8.19
